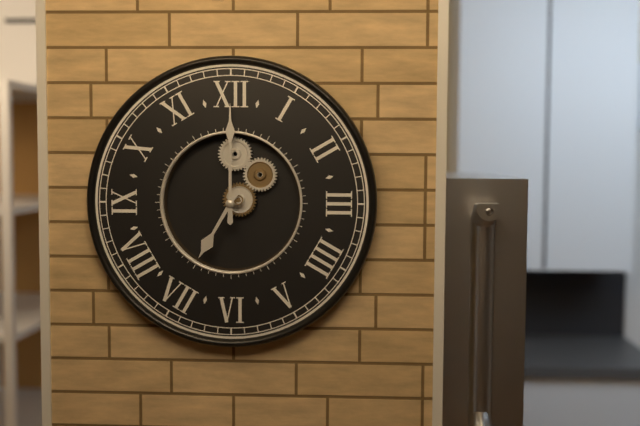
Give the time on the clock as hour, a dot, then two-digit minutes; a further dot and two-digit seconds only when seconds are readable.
7.00
